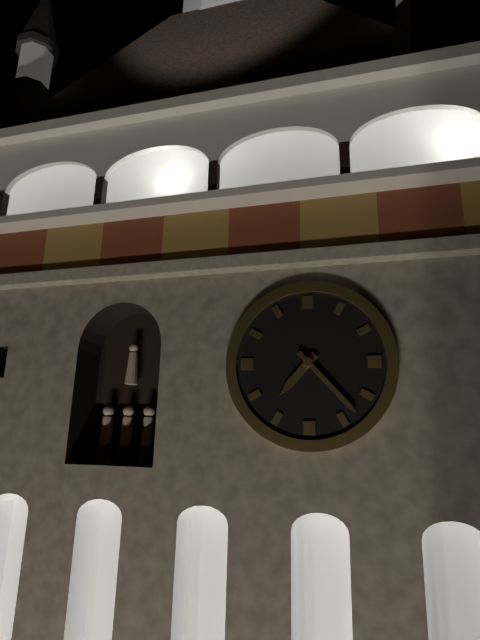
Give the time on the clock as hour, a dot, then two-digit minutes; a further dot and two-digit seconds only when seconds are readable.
7.23
